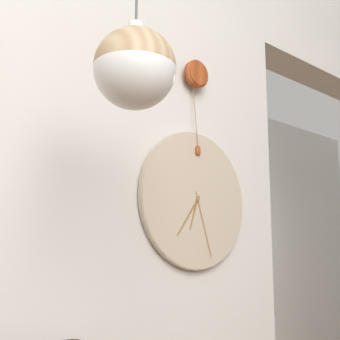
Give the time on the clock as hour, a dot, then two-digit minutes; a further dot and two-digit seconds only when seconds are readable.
6.36.27
